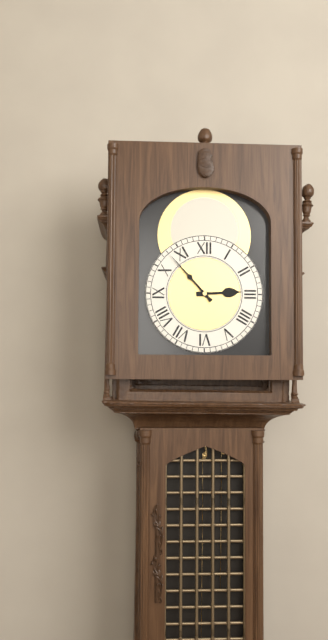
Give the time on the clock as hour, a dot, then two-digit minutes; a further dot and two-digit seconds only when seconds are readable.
2.53
